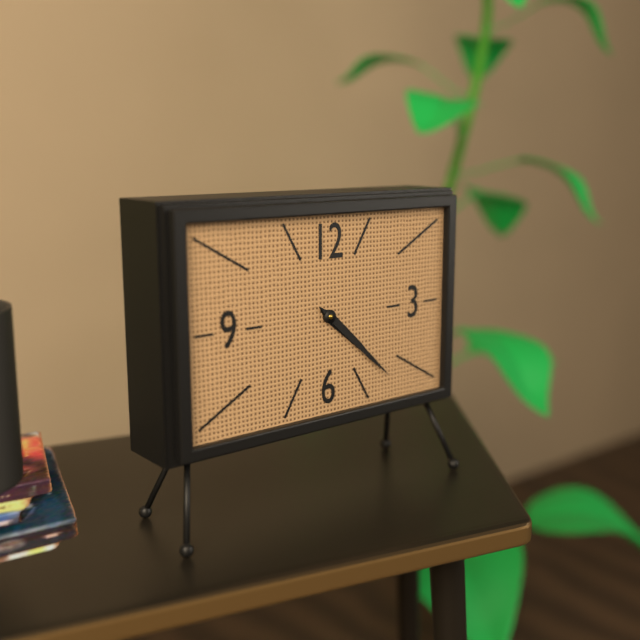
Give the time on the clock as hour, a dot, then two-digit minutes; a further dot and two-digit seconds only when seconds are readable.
4.22
